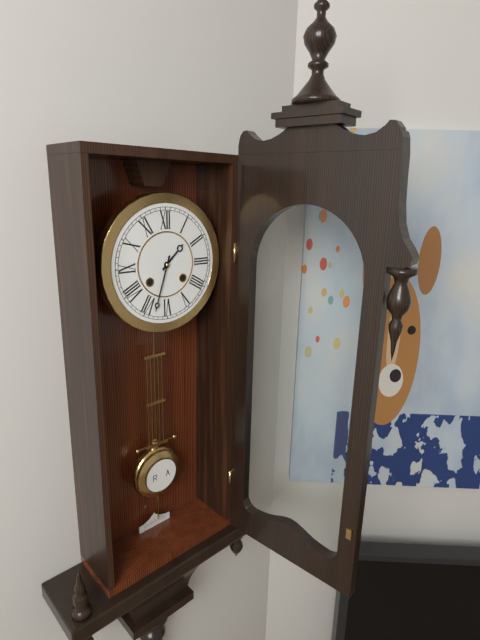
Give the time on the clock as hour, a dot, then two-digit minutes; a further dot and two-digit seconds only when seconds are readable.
1.33
